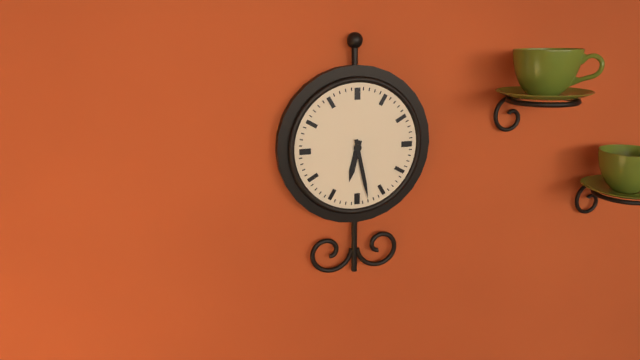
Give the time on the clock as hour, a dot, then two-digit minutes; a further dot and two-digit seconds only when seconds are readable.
6.28
